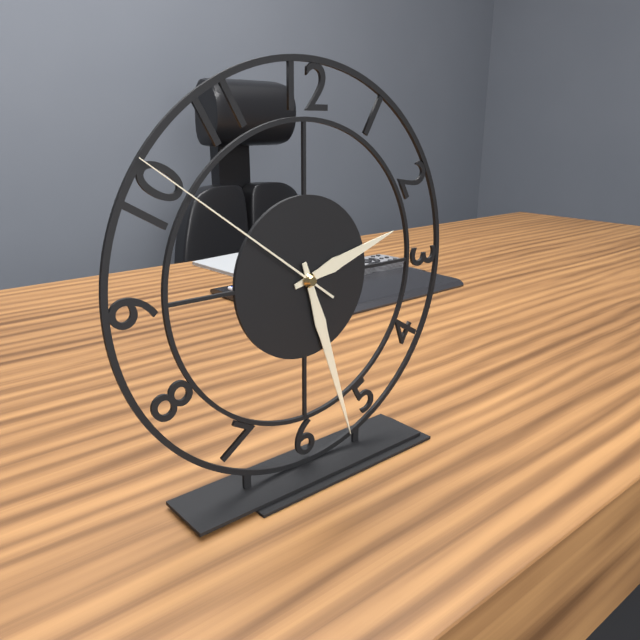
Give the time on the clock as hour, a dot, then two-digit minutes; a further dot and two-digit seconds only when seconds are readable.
2.27.51
